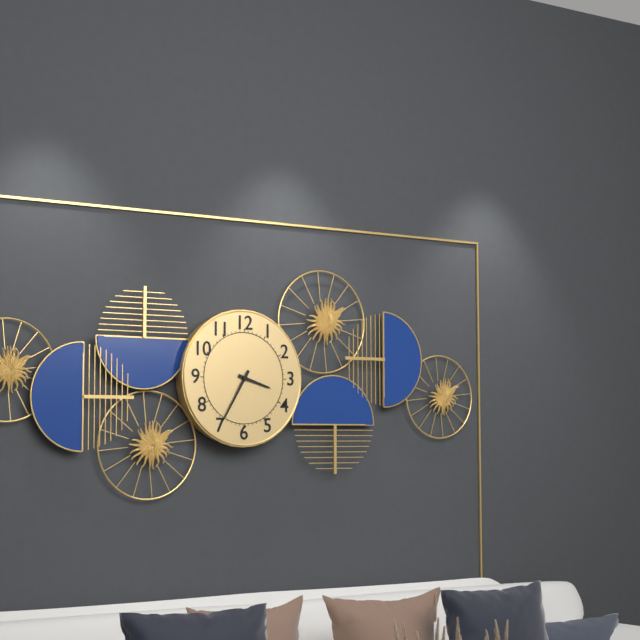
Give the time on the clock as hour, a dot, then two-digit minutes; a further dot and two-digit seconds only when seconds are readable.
3.35
